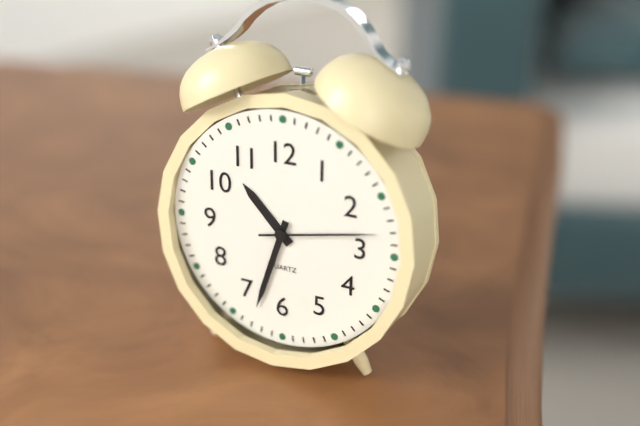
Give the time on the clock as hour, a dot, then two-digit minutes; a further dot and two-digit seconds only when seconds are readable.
10.33.13
